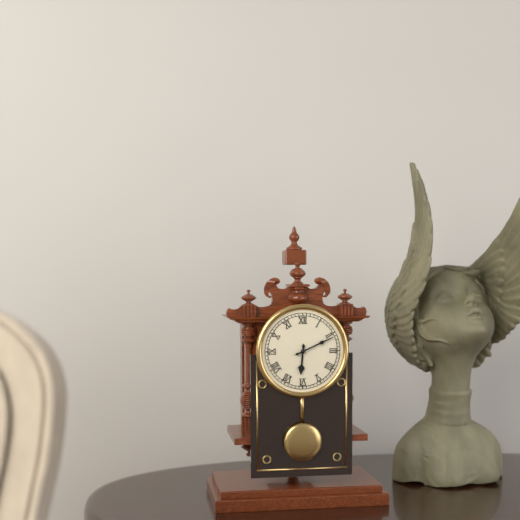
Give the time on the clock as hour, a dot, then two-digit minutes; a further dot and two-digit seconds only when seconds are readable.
6.11
